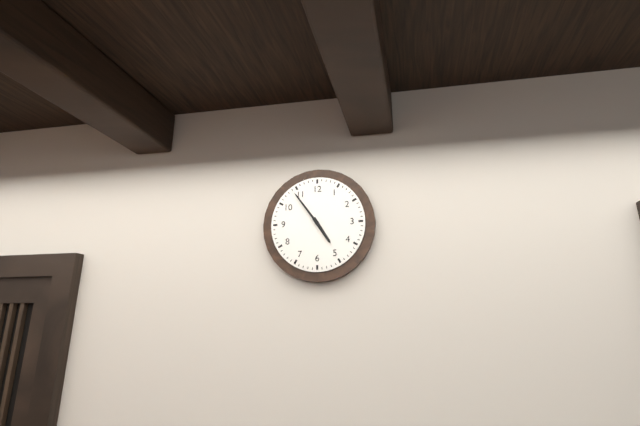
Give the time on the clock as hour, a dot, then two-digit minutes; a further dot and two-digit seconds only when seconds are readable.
4.54
